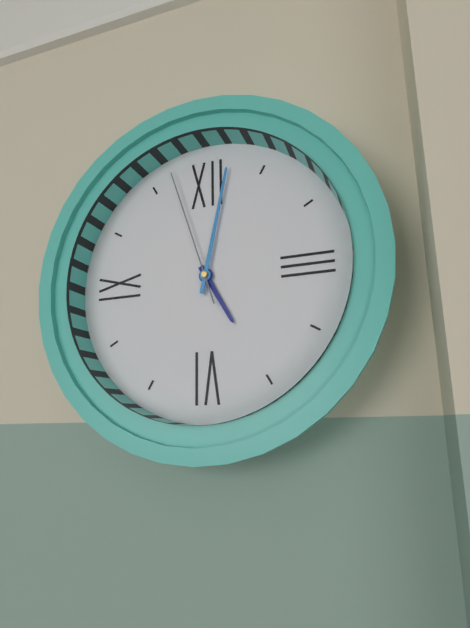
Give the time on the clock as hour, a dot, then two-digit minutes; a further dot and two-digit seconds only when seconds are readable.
5.02.57
